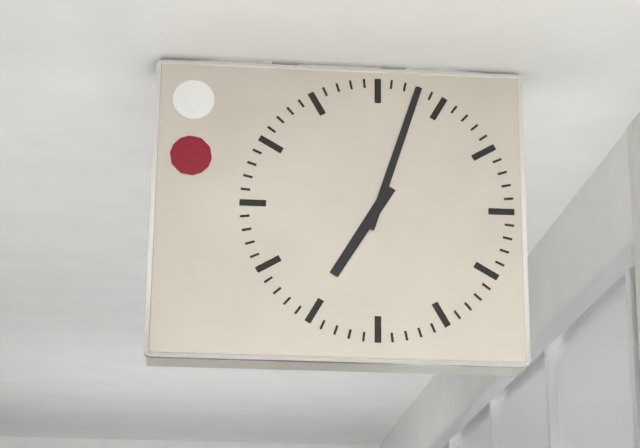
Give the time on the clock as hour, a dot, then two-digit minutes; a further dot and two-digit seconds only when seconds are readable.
7.03
